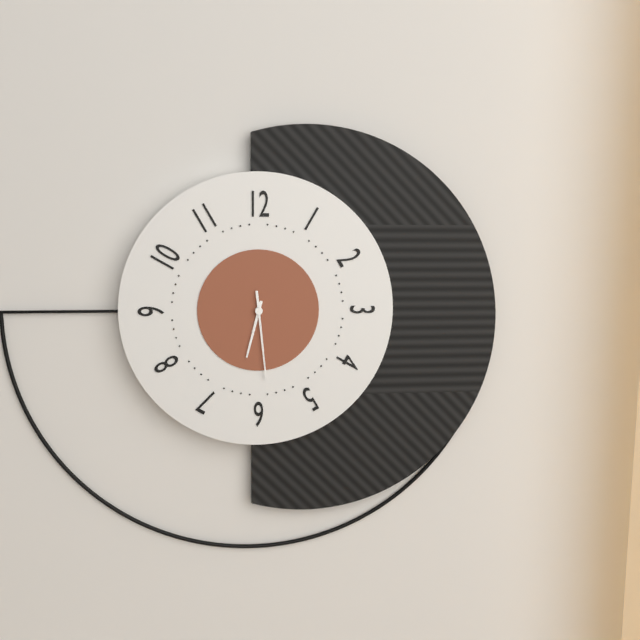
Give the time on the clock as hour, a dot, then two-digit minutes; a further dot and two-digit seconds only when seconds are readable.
6.29
